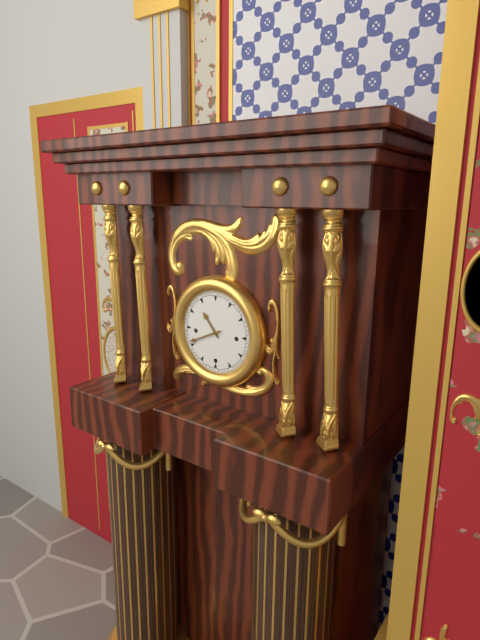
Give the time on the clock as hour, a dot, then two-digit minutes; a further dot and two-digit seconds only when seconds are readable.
10.41
